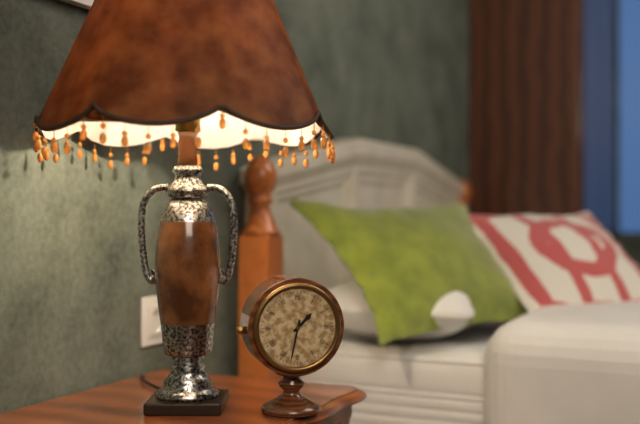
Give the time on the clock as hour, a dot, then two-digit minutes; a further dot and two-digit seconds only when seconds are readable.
1.32
